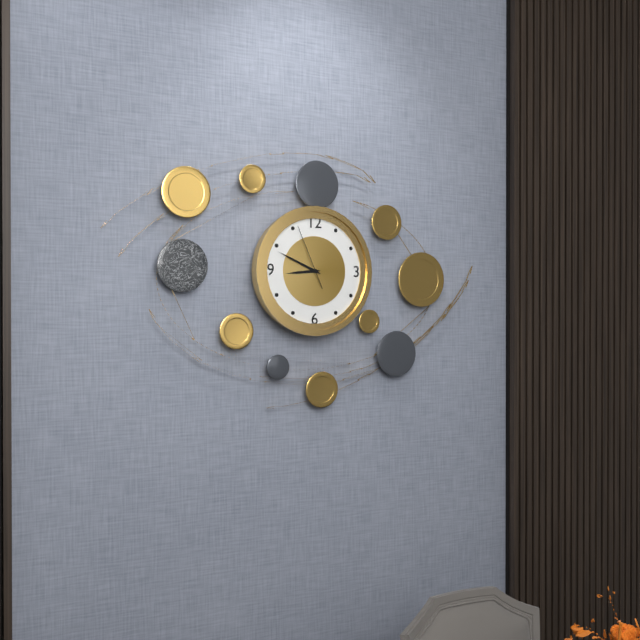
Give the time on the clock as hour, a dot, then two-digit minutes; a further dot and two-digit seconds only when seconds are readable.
8.49.56
